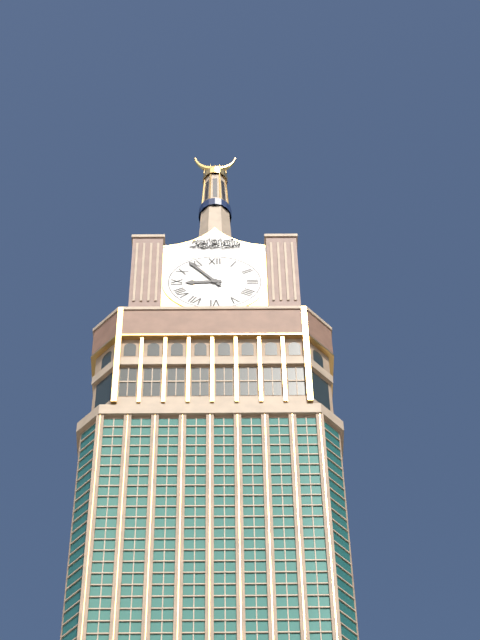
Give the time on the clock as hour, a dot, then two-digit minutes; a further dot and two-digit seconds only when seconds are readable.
8.54
